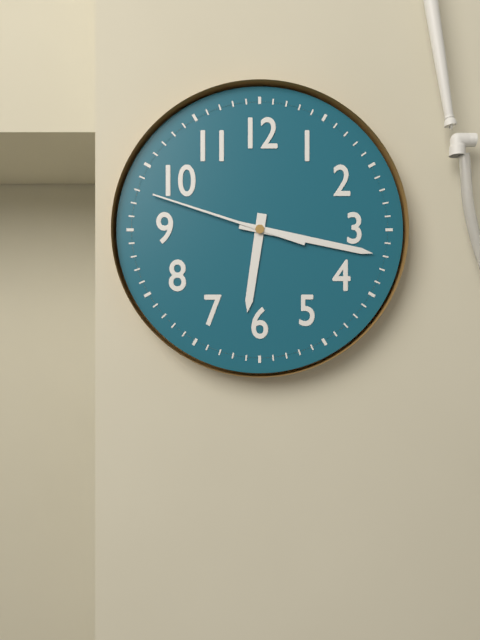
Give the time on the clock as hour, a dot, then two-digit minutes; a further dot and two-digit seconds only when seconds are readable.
6.17.48
